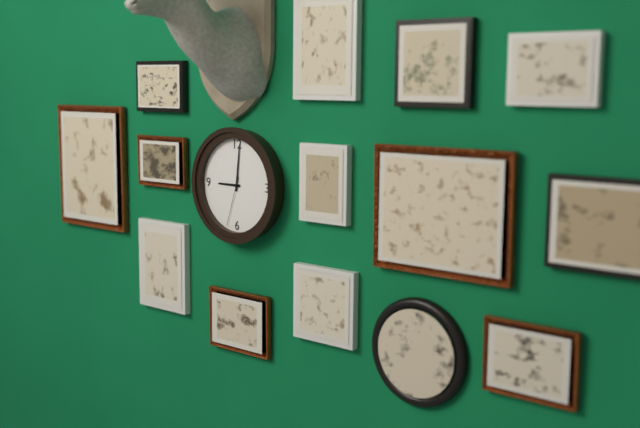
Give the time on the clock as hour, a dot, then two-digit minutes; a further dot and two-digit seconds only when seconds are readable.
9.01.33
